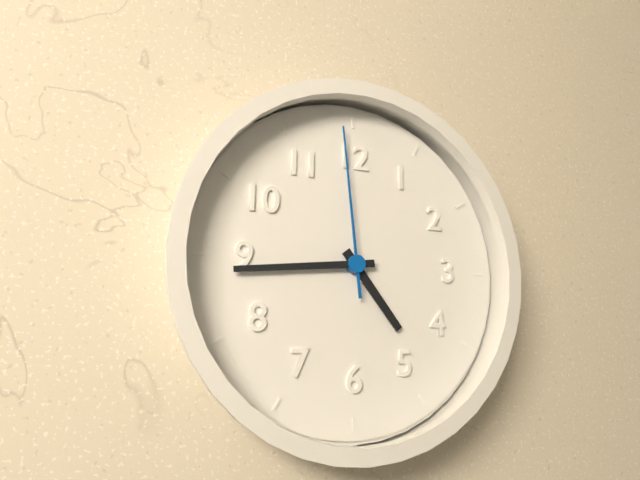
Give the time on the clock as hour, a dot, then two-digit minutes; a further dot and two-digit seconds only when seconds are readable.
4.44.59
